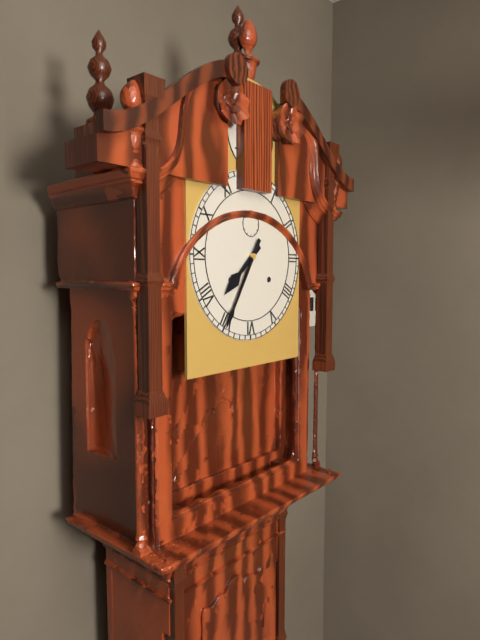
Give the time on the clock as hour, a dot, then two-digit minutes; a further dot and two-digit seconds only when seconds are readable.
7.35
